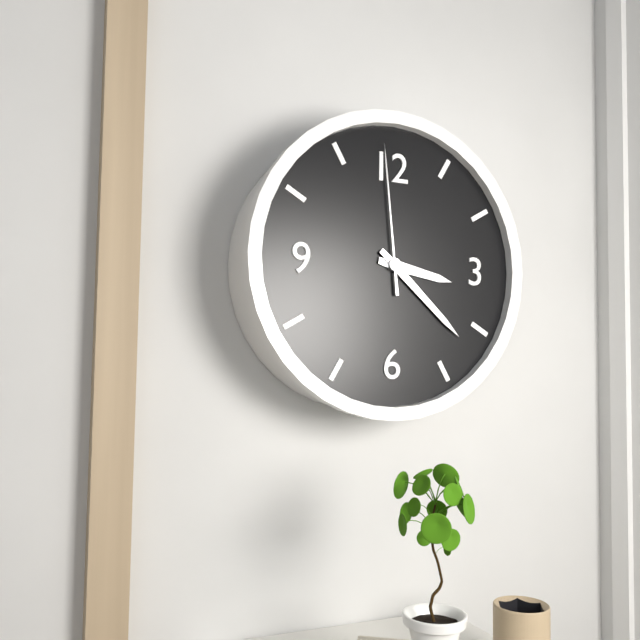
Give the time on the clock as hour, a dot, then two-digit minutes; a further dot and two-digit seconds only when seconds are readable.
3.22.59
